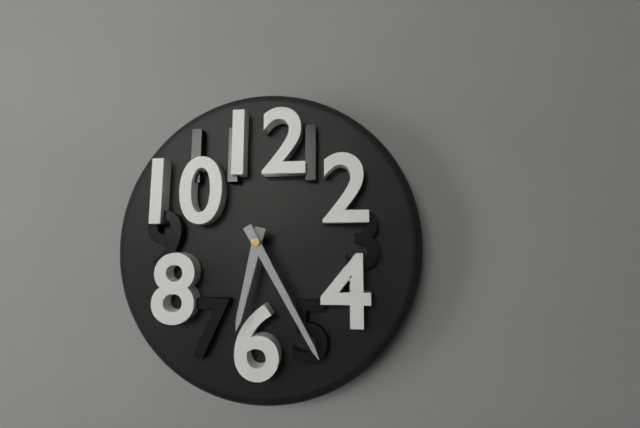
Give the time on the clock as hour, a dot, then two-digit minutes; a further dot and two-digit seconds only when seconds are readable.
6.25
